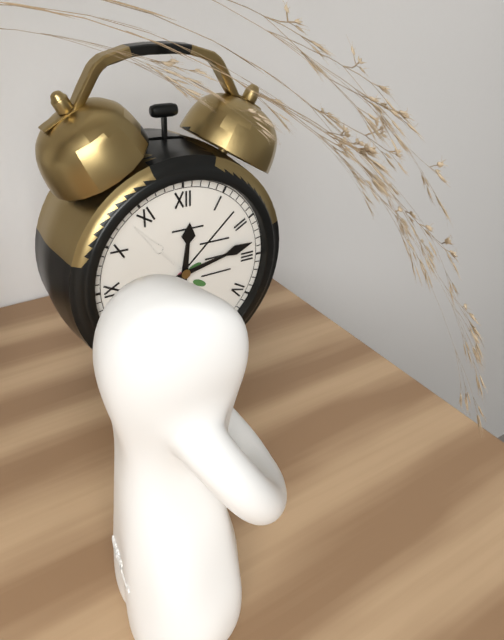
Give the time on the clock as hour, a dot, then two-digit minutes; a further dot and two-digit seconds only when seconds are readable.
12.13
